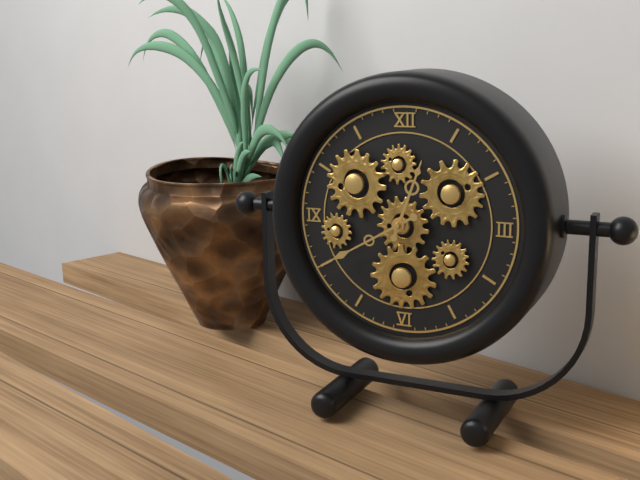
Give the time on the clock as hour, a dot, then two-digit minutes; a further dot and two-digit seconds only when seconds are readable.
12.40
